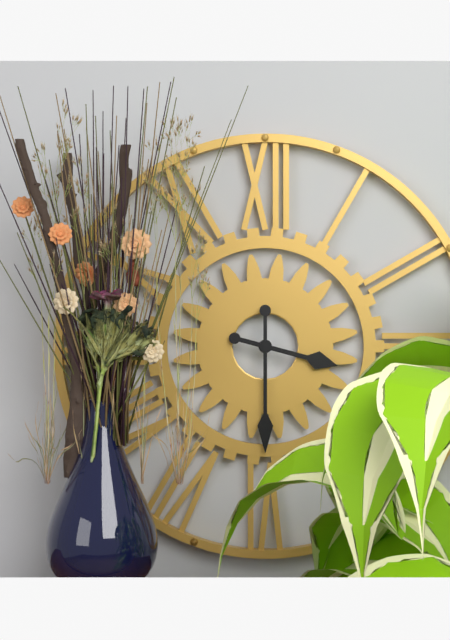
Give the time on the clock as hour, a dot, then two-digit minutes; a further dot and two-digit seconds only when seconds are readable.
3.30
